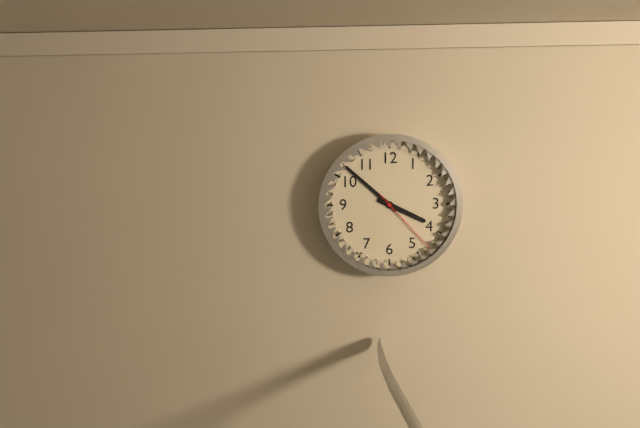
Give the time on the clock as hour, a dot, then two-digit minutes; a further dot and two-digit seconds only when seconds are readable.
3.52.23
